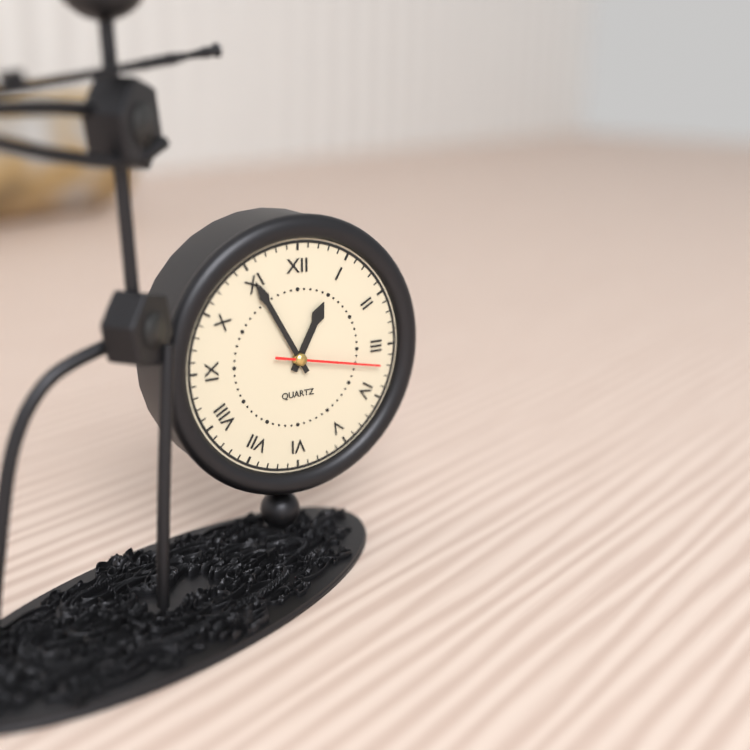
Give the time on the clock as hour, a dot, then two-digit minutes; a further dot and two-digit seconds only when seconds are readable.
12.55.17
